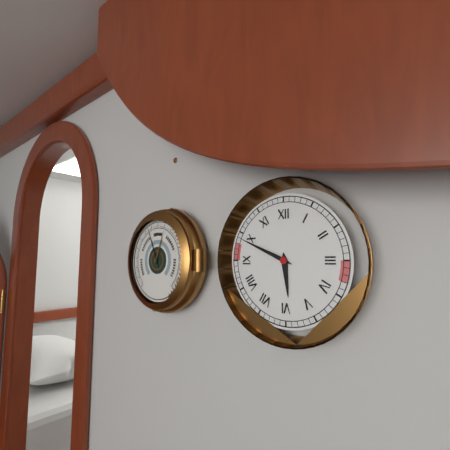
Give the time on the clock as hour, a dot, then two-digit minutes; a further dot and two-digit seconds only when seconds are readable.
5.49
